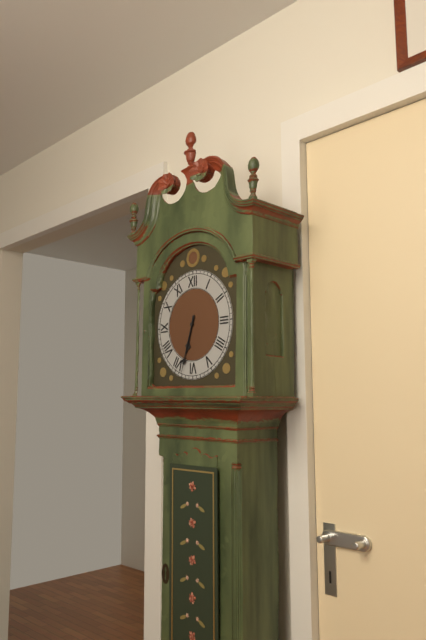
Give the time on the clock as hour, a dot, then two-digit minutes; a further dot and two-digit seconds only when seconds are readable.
6.33
